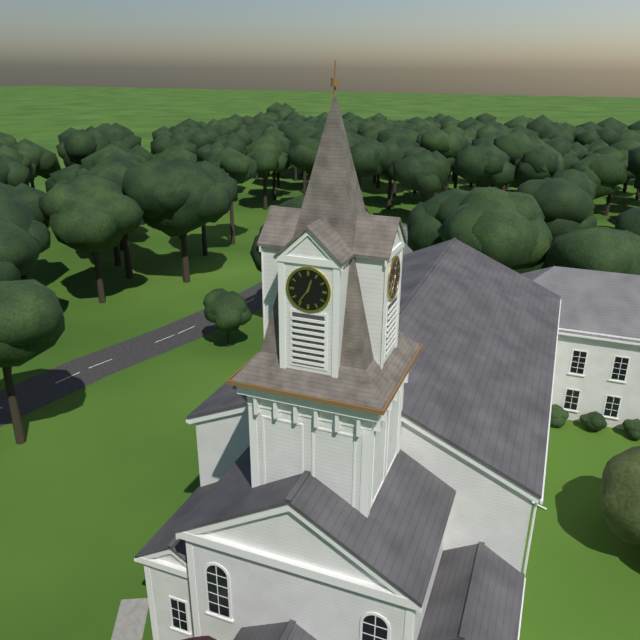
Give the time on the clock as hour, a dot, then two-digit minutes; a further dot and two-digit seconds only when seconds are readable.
12.36
